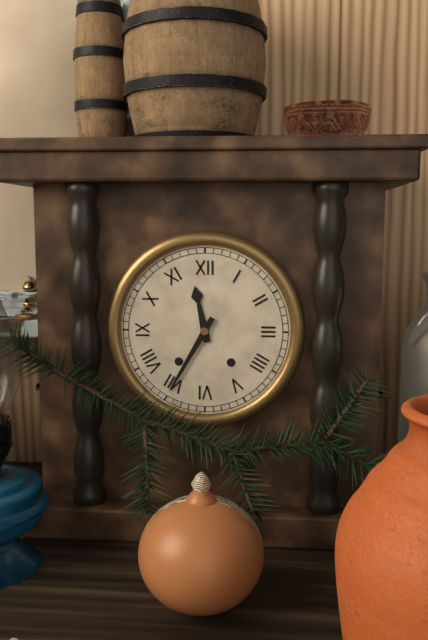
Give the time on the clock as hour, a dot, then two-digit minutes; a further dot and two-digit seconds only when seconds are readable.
11.35
